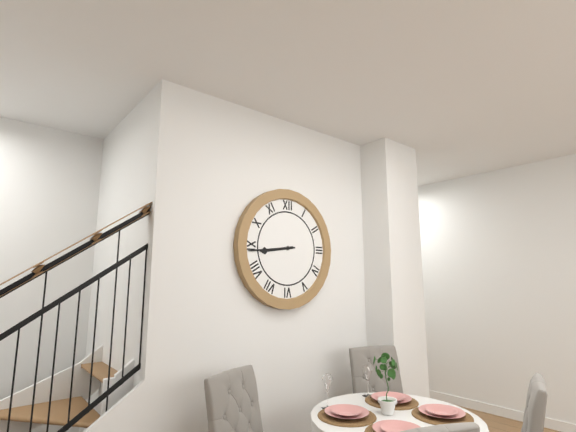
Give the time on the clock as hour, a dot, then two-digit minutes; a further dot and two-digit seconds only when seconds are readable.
8.44
